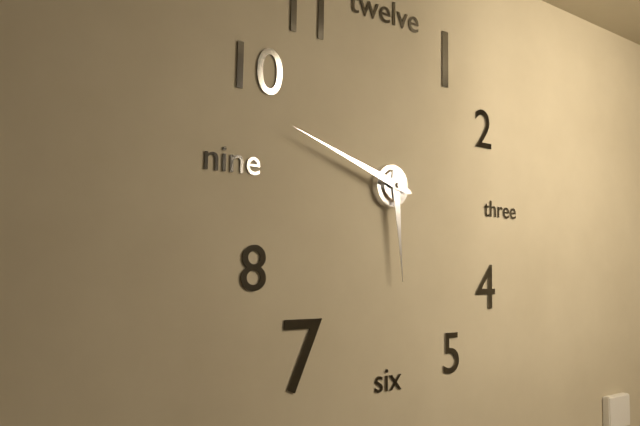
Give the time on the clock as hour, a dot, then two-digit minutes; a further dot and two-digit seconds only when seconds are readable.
5.48
